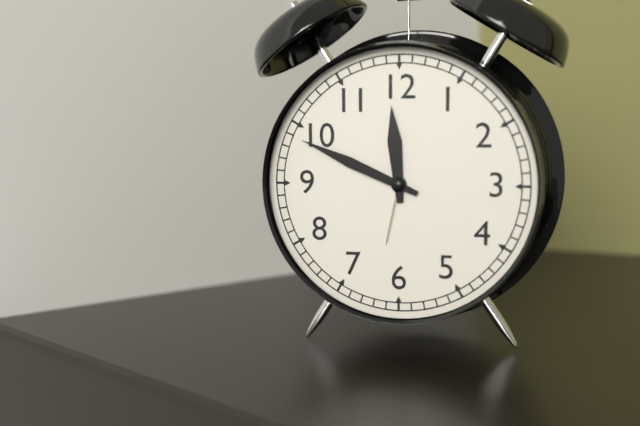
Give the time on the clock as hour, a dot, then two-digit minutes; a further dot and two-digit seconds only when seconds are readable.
11.49
